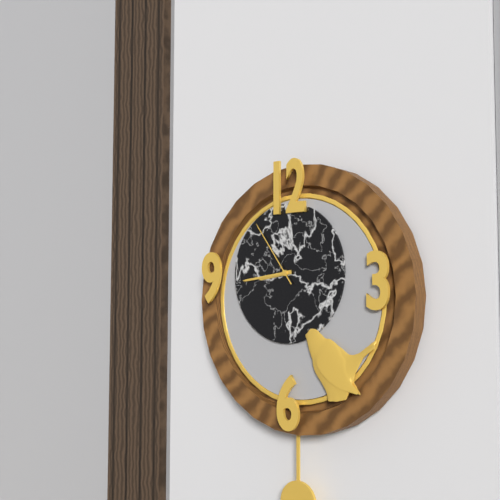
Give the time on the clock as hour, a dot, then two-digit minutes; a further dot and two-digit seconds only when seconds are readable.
8.44.54
